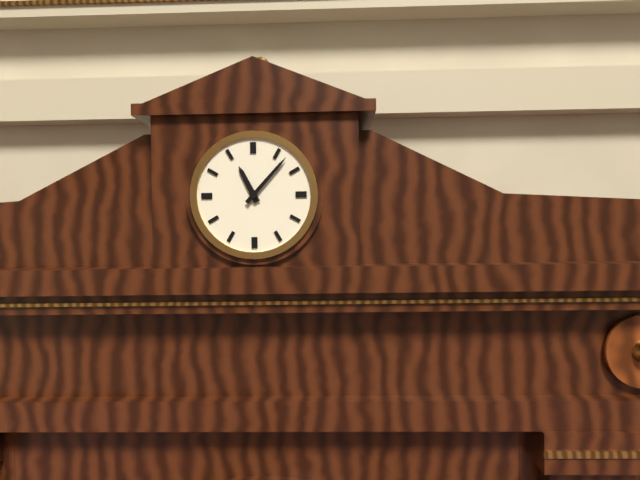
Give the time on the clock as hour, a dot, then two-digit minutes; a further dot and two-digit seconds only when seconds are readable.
11.07
